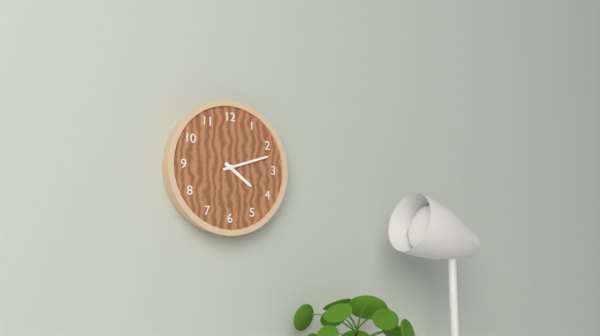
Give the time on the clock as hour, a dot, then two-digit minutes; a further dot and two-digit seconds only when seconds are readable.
4.12
